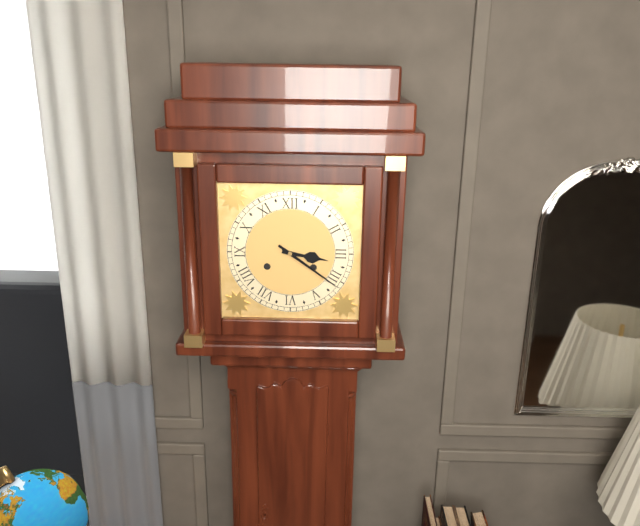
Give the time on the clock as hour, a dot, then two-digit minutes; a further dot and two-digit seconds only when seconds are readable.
3.21
